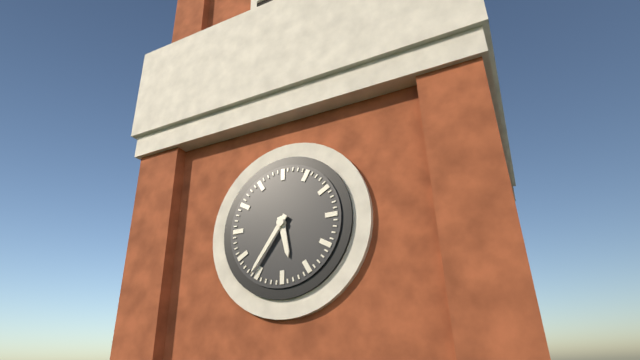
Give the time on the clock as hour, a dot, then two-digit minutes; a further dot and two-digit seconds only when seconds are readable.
5.36
